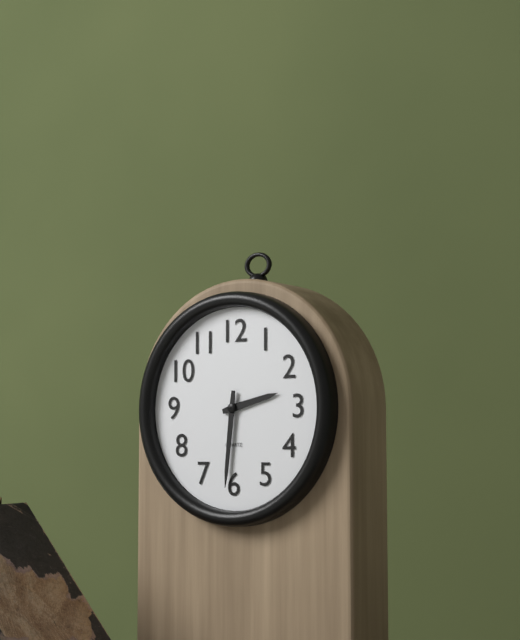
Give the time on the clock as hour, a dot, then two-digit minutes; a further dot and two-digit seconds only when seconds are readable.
2.31
